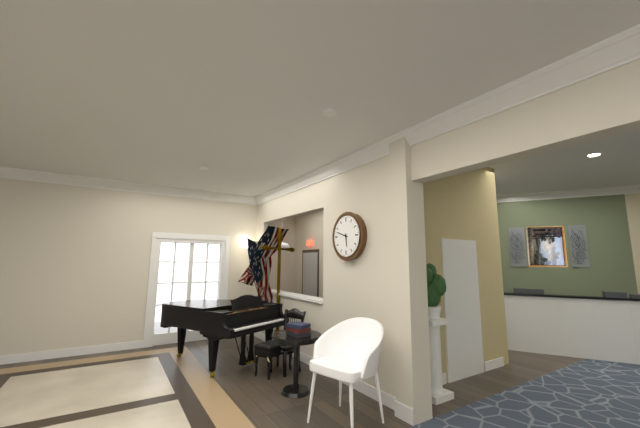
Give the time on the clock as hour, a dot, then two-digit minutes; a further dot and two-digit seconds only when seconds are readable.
5.48
